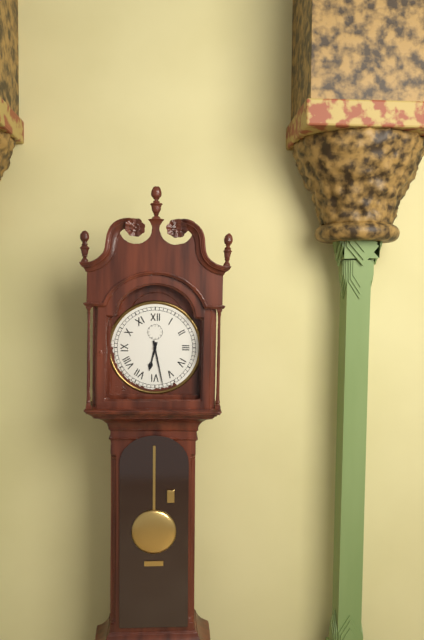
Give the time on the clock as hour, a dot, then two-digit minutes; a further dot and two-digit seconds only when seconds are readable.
6.28
